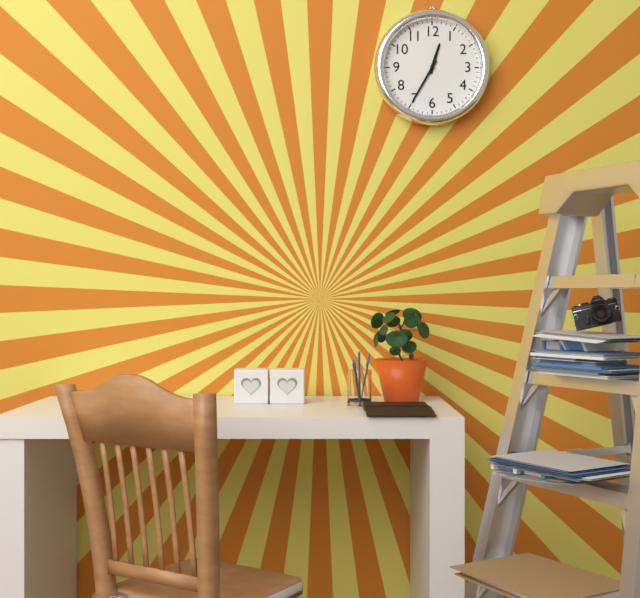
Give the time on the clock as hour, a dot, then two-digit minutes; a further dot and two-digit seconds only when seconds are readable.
12.35
